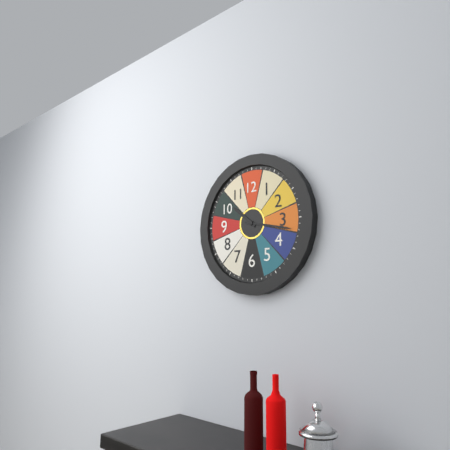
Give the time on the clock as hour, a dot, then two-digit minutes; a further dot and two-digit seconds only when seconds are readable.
10.17
